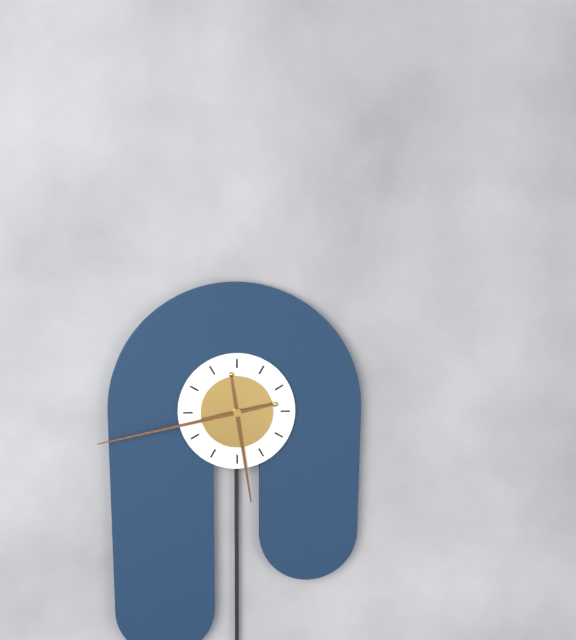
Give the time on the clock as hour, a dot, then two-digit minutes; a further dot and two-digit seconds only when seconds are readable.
5.43
